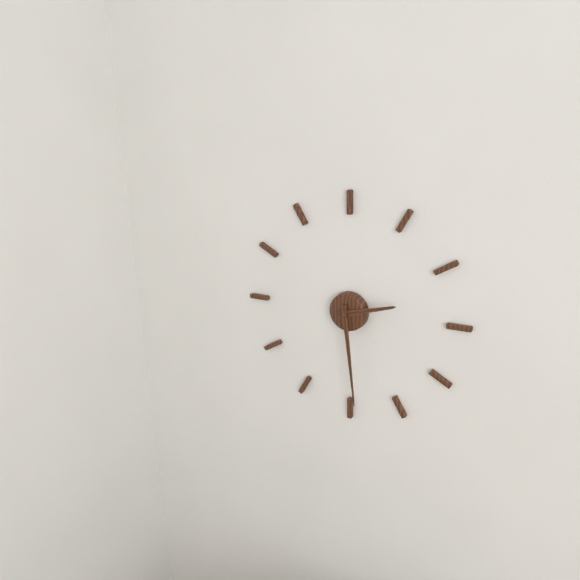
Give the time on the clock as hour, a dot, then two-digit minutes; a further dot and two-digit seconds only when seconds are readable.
2.29
